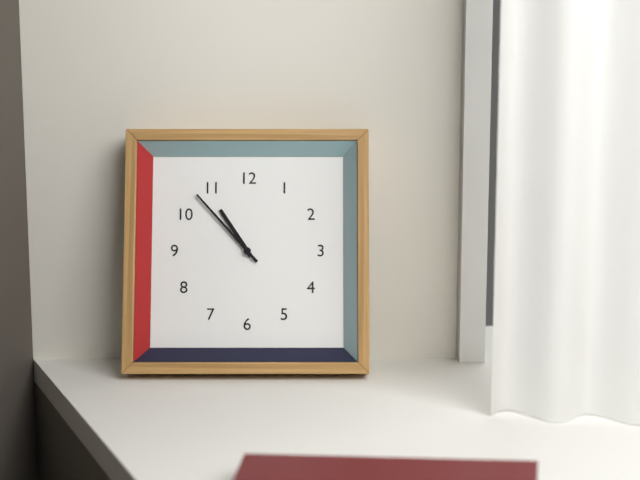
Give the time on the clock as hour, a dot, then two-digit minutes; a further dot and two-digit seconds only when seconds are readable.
10.53
